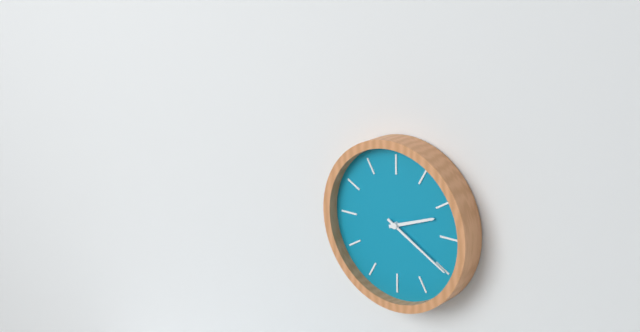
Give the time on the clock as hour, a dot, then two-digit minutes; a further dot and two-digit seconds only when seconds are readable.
2.20
